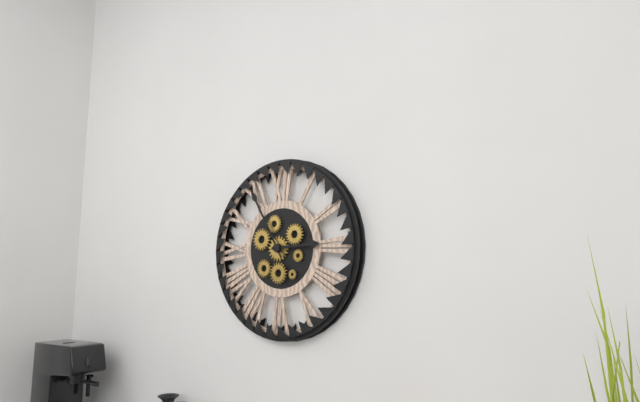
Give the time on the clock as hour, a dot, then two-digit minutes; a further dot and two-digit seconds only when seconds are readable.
2.55
